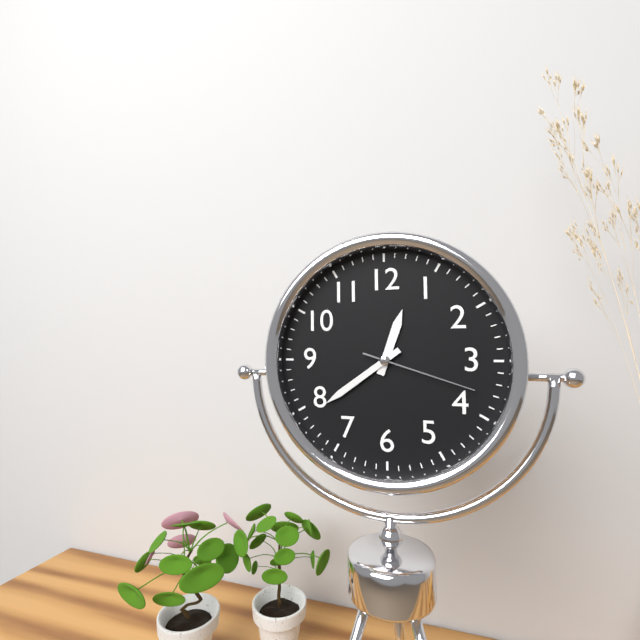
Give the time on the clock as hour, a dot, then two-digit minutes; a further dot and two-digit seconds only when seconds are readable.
12.39.18
